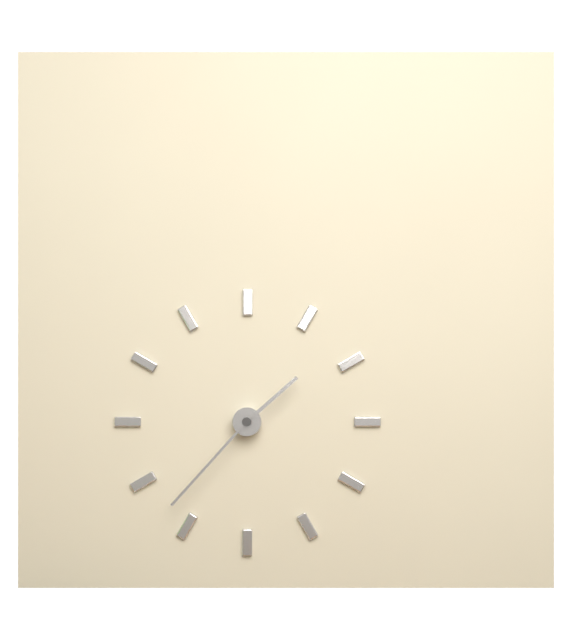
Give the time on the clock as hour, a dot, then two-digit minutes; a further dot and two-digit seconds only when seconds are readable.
1.37
